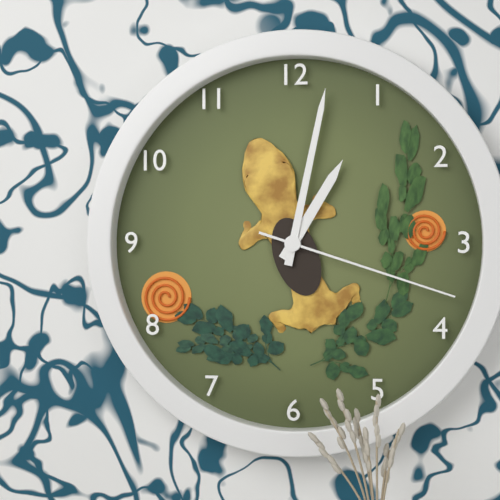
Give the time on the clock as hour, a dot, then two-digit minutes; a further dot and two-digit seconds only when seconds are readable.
1.02.18
